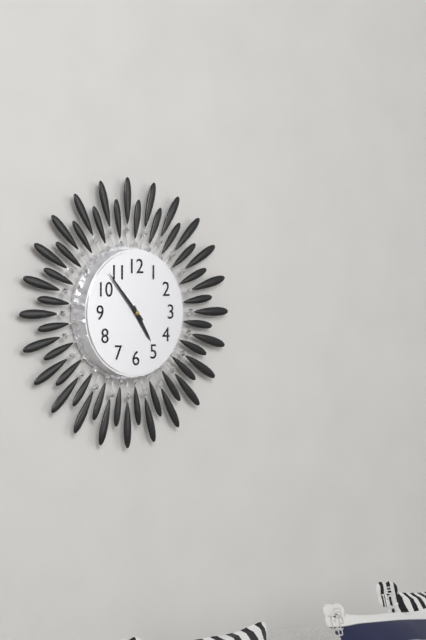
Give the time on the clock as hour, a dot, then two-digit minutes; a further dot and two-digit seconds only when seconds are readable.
4.53
